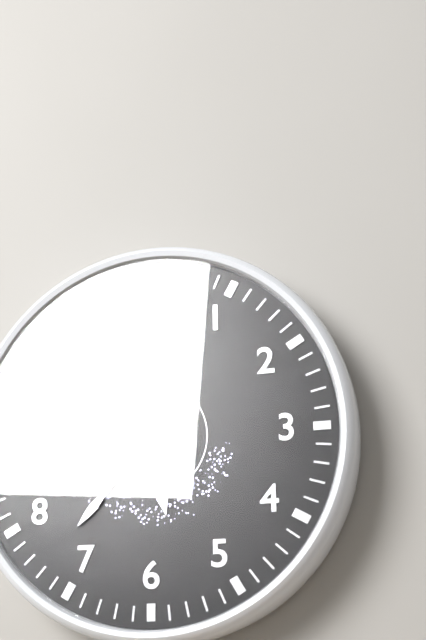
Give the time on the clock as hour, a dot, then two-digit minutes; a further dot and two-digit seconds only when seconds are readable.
5.37.40
